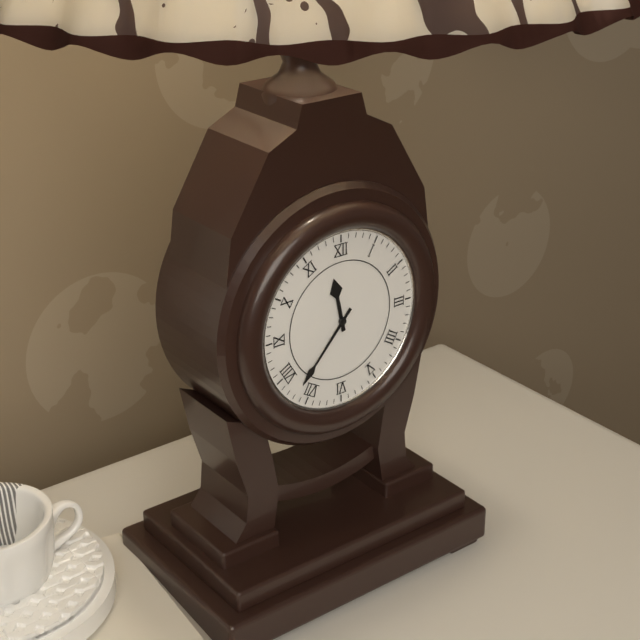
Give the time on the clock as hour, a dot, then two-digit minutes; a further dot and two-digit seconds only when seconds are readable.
11.37
